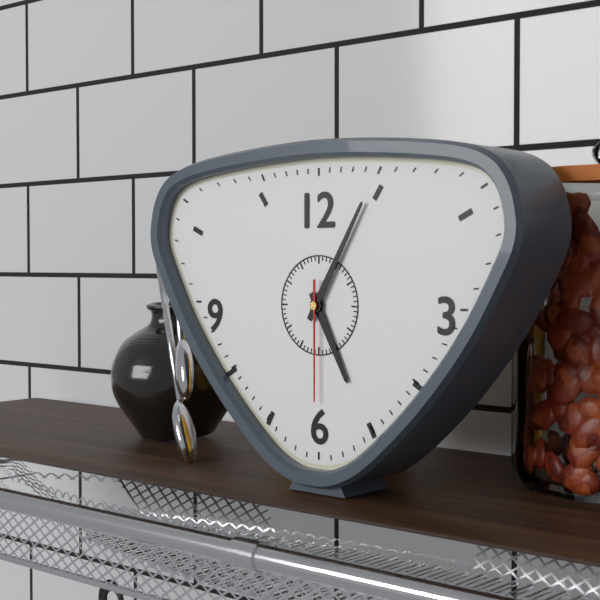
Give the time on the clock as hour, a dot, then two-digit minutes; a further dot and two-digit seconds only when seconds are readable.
5.05.30
